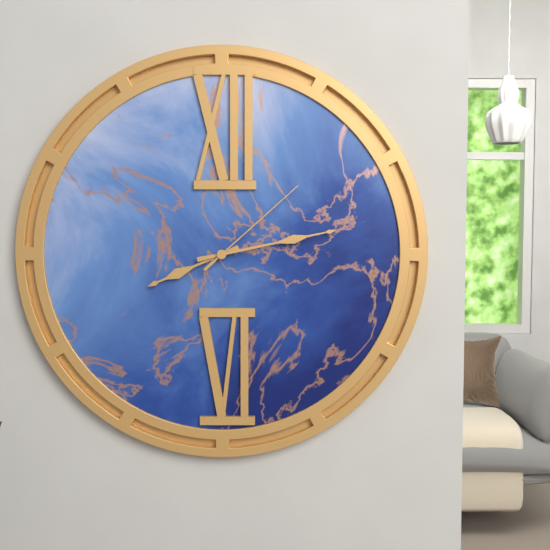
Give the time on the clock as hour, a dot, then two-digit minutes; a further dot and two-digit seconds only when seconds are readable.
8.13.08
